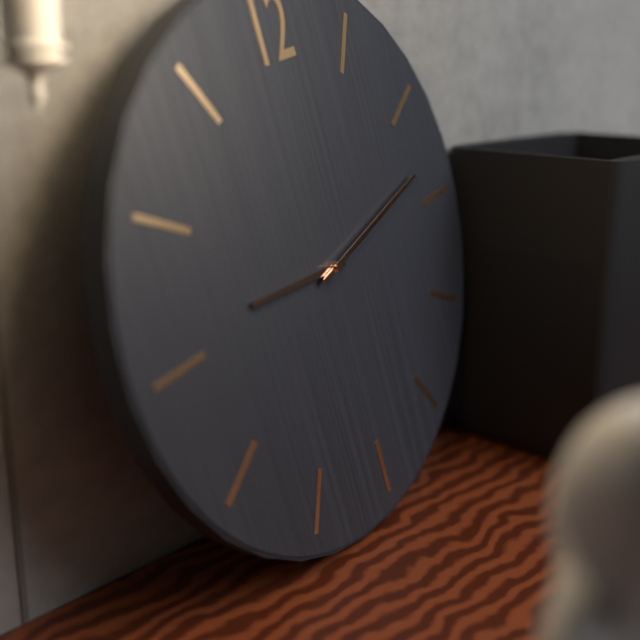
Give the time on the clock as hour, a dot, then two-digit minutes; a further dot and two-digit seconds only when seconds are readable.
9.13
